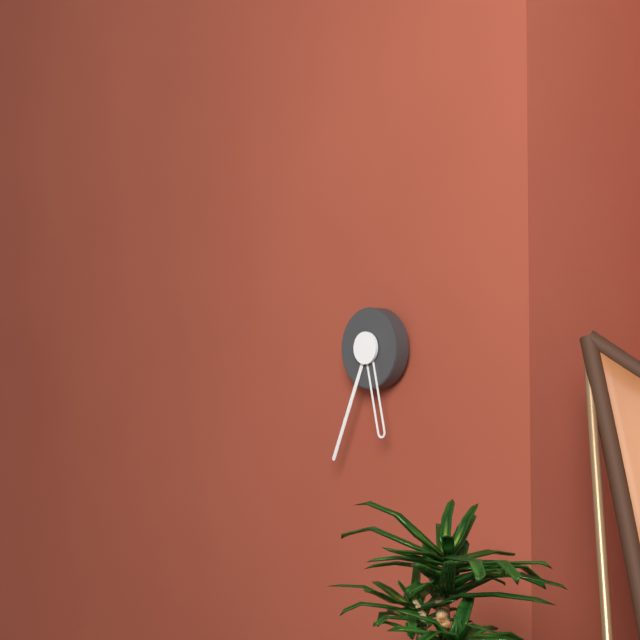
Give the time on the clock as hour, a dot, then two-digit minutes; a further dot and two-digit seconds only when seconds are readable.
5.34
